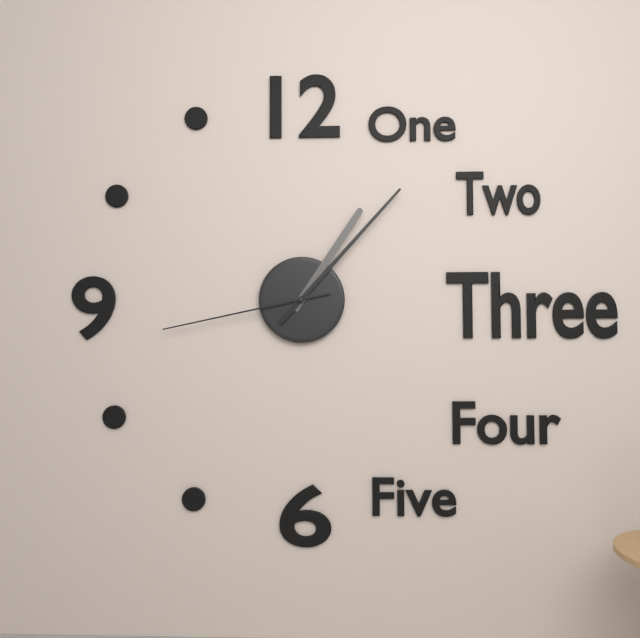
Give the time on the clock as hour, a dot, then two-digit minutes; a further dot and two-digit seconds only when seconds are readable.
1.07.43
